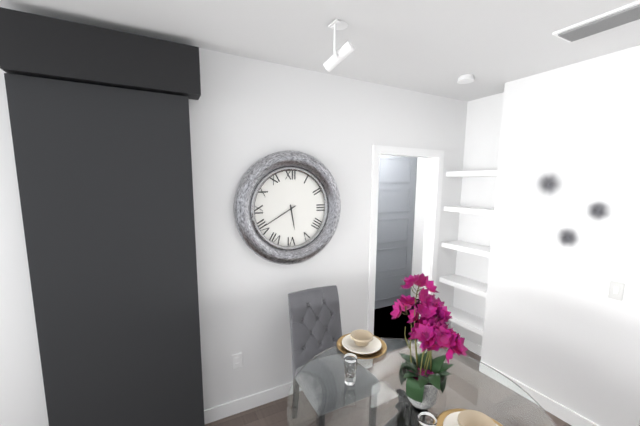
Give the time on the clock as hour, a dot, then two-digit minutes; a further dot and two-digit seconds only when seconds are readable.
5.40
